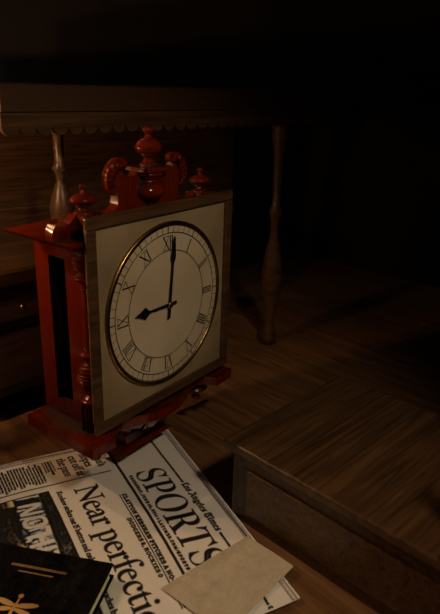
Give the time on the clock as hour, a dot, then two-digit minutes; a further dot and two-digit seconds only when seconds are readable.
9.01
